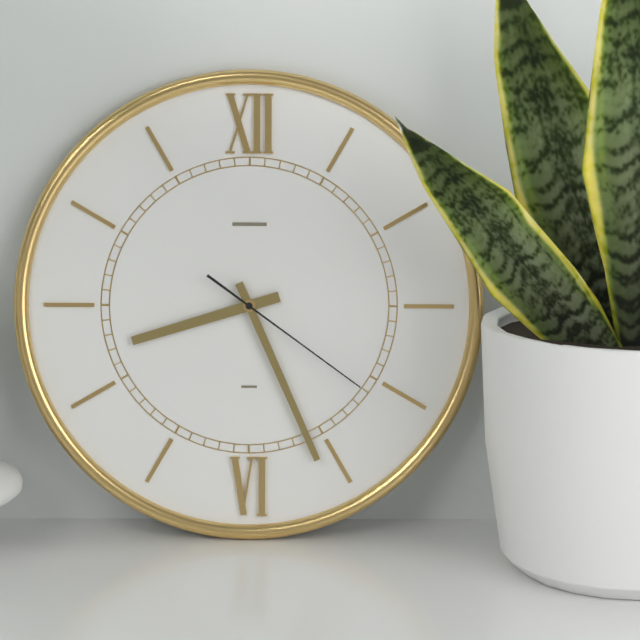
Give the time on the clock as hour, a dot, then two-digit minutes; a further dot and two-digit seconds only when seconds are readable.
8.26.21
